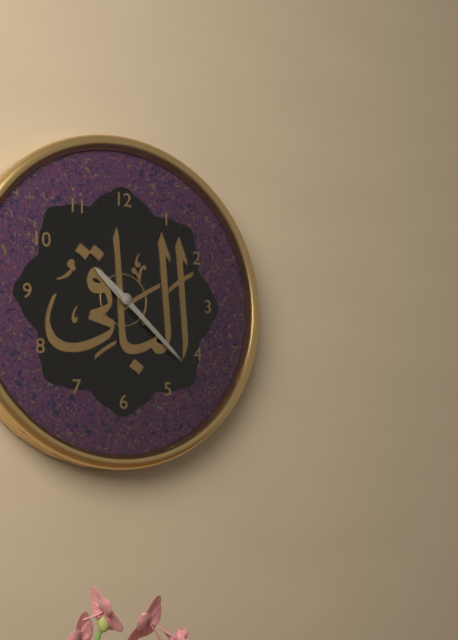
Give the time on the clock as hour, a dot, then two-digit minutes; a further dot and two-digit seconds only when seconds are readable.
10.22
